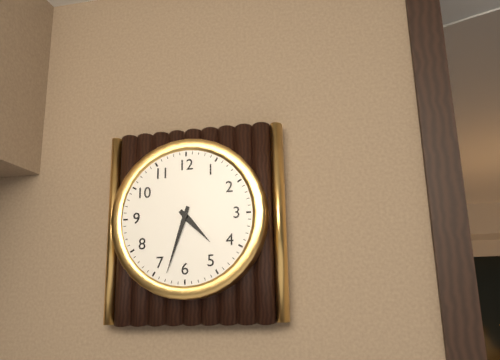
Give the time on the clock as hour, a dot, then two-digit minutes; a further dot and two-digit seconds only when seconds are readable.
4.33
